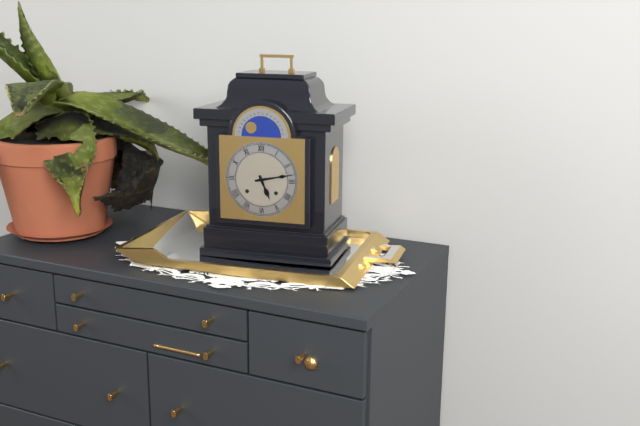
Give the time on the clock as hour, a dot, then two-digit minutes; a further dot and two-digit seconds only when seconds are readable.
5.13
